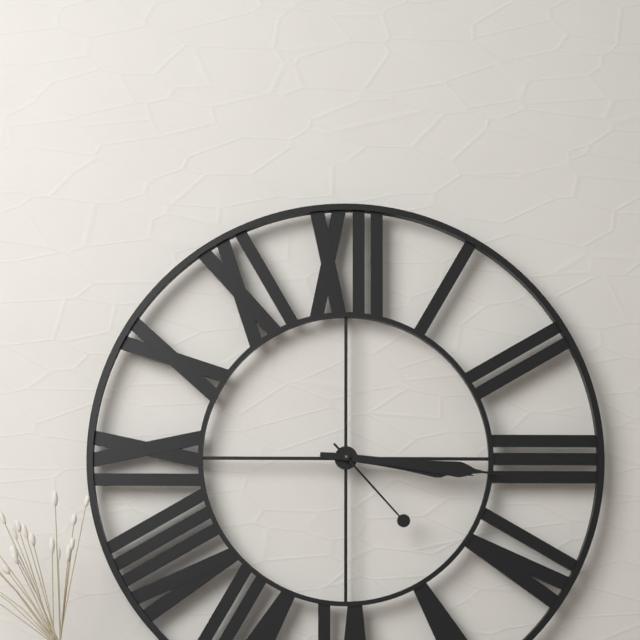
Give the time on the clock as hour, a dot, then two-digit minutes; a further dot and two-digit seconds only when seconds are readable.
3.16.23
